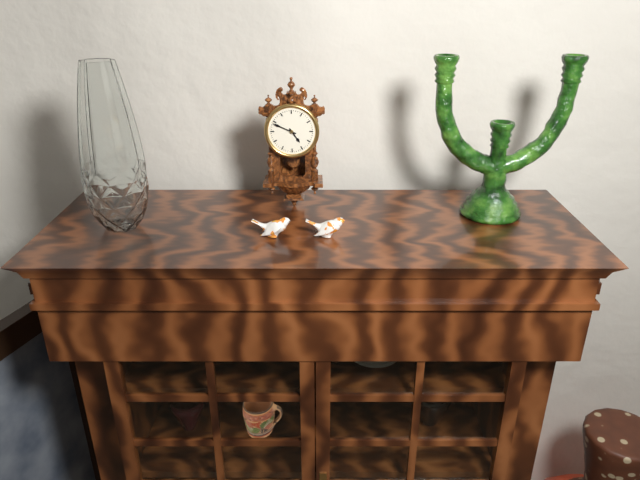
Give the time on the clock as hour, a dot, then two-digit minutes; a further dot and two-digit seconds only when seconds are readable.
4.49
